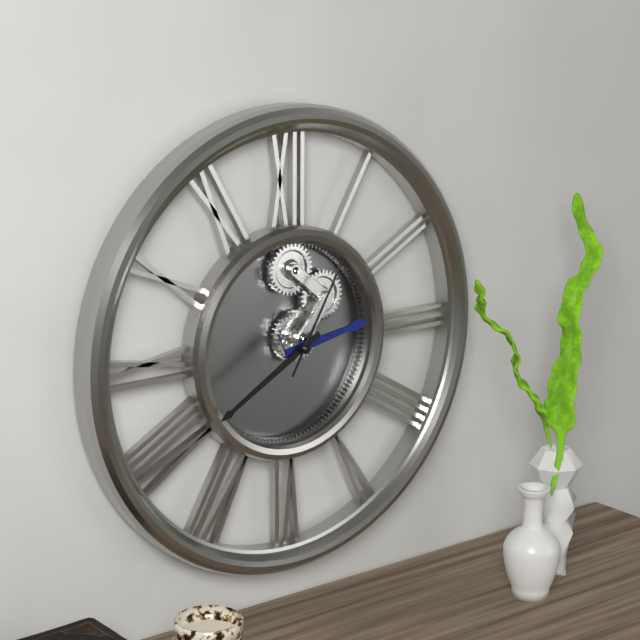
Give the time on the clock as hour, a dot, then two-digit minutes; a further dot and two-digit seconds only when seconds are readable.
2.40.05
